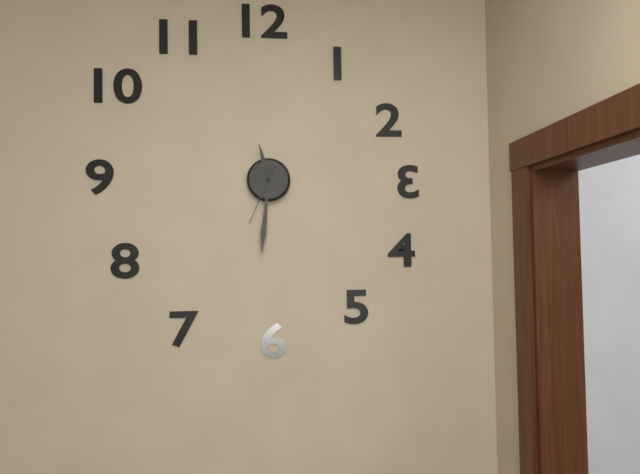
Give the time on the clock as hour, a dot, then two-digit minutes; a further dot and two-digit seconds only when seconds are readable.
11.31.34
